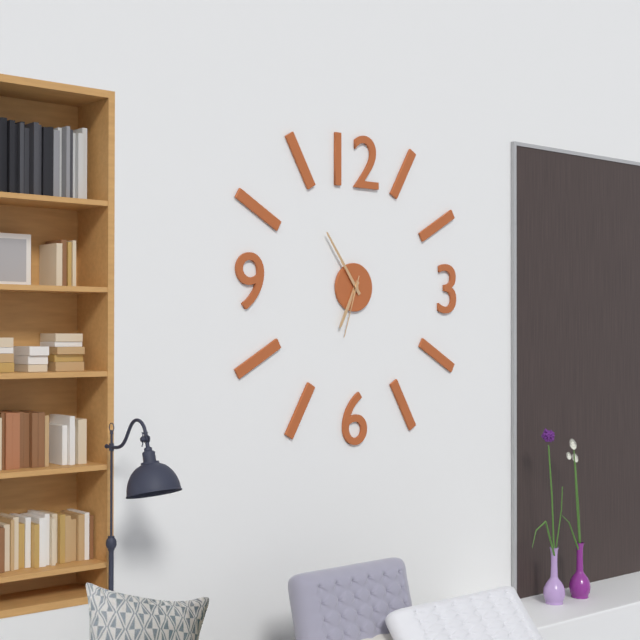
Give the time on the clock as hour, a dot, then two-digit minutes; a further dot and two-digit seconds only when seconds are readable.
6.54.33
